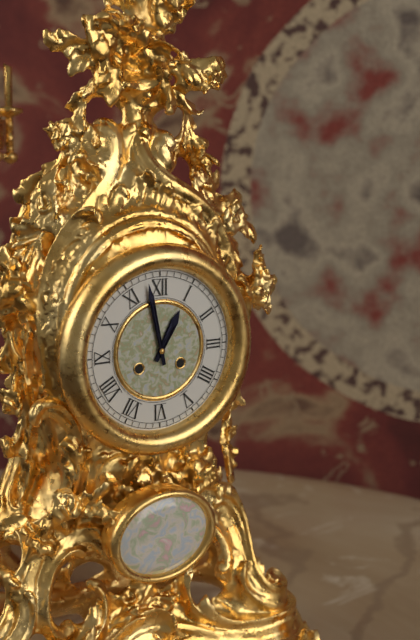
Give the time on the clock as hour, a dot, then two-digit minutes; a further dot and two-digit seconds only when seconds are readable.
12.58
